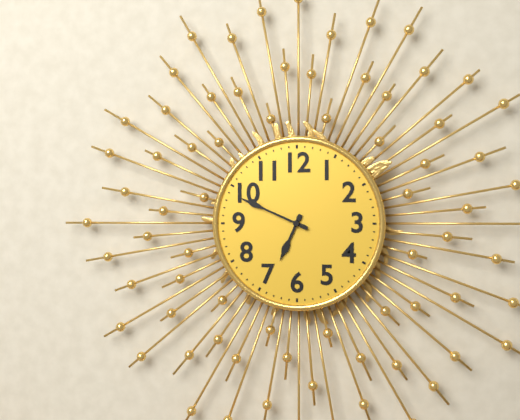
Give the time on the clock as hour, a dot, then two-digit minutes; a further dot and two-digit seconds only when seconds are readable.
6.49
